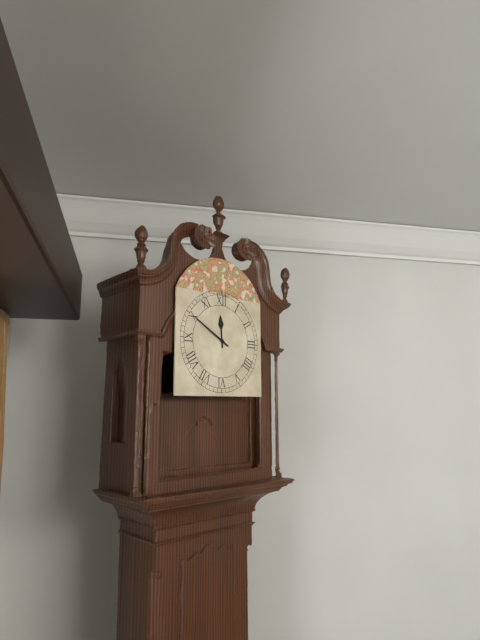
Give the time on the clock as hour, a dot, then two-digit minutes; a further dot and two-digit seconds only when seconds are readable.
11.50
